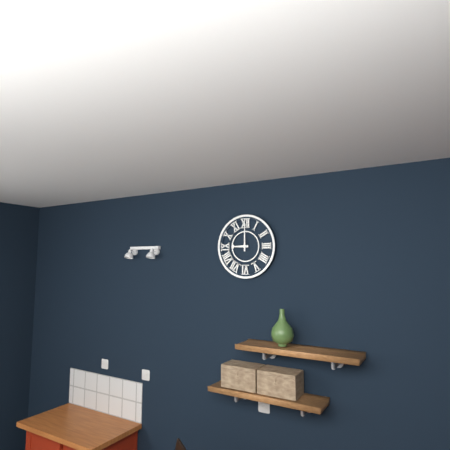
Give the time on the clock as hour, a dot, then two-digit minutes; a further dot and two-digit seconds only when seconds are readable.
9.00
